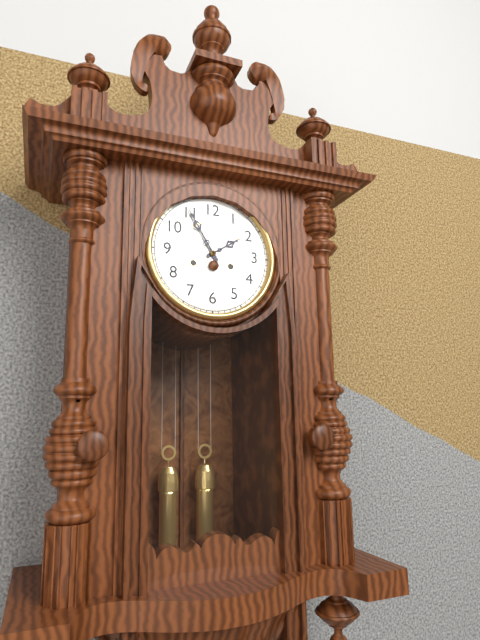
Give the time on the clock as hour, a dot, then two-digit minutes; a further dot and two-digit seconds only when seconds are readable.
1.55
